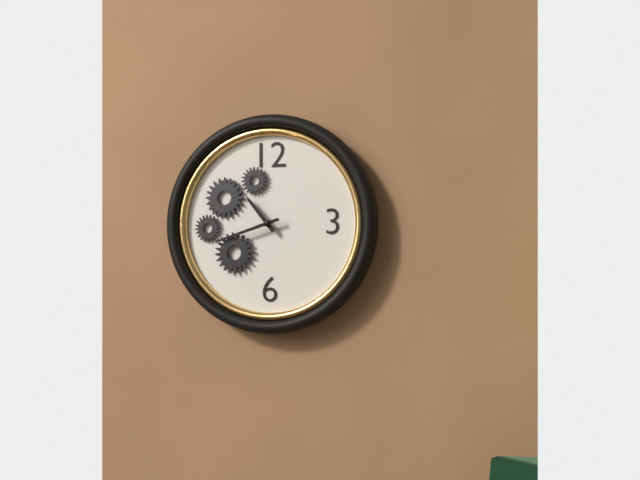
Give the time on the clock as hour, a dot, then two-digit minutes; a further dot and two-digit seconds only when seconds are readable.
10.42
